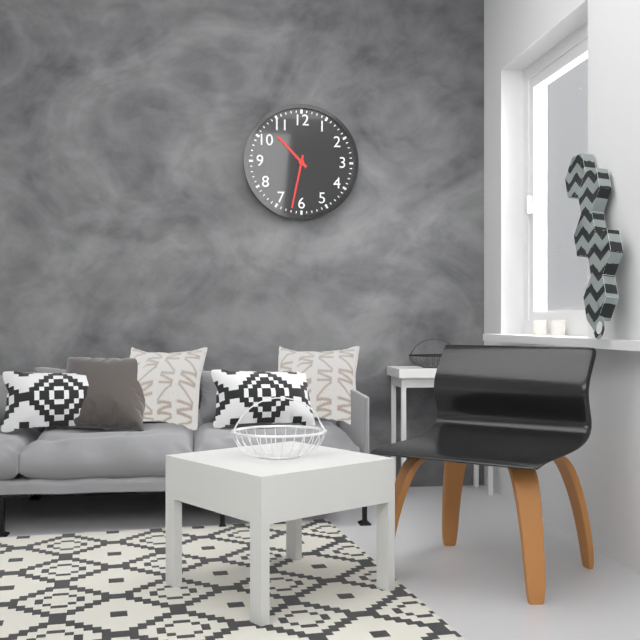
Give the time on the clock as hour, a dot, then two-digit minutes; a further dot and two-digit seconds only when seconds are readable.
10.32
